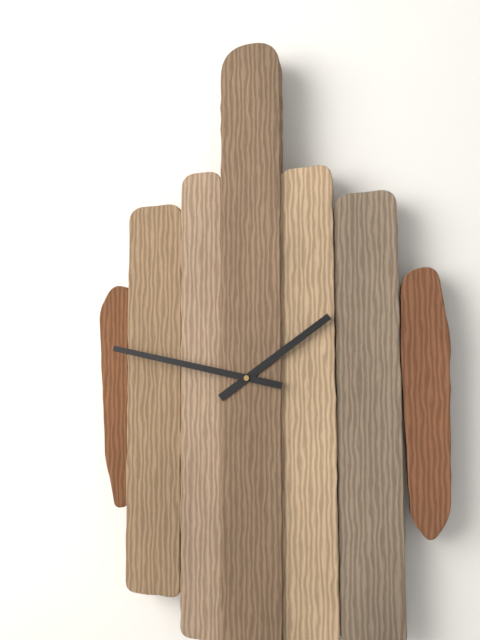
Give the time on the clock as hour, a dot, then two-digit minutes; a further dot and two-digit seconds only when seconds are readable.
1.47
